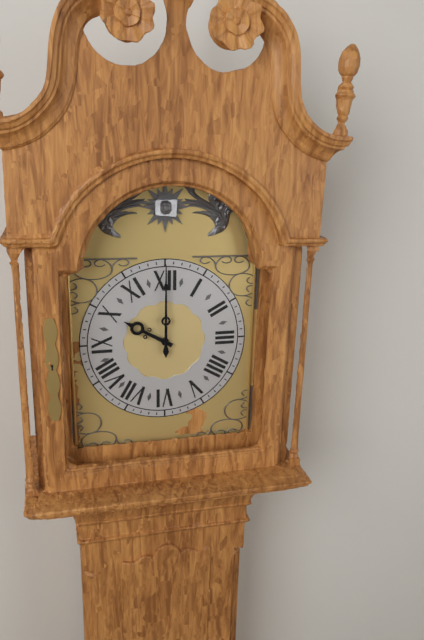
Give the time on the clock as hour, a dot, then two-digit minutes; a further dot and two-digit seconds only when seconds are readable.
10.00
